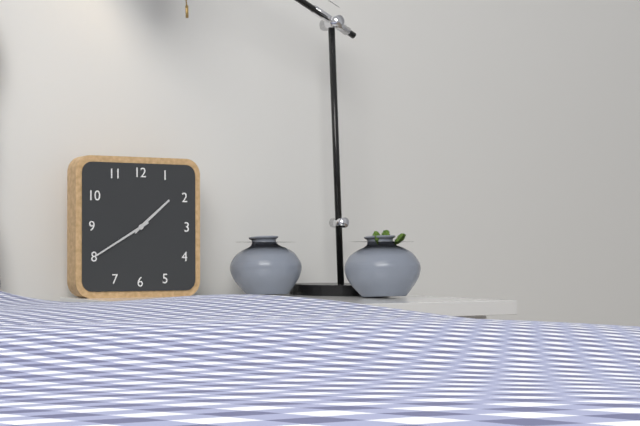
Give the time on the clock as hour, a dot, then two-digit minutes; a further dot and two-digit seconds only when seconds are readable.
1.40
